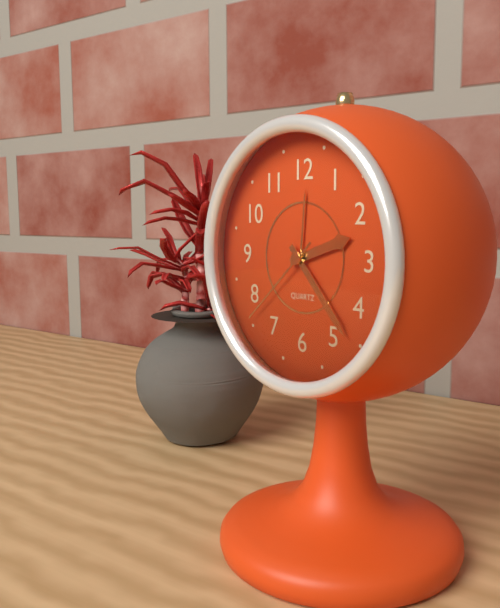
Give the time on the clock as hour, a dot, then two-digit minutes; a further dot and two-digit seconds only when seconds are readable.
2.23.38
